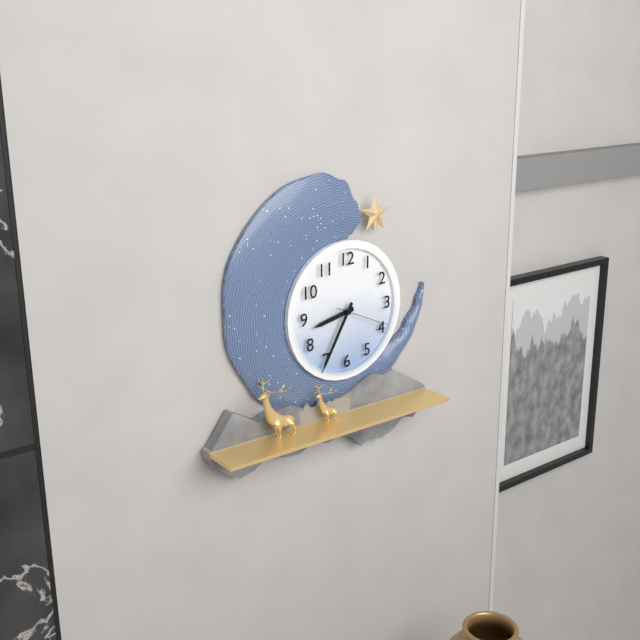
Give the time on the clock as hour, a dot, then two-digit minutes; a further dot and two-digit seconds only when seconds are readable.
8.35.19
